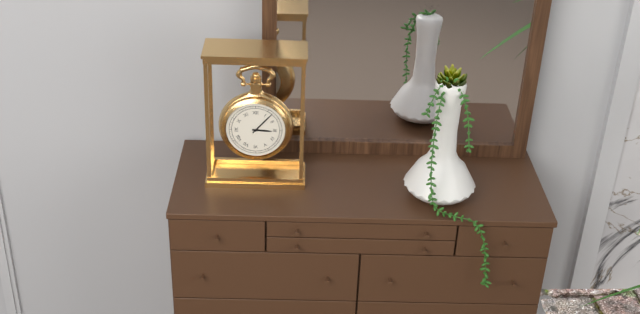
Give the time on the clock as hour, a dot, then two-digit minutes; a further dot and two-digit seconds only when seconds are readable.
3.07
